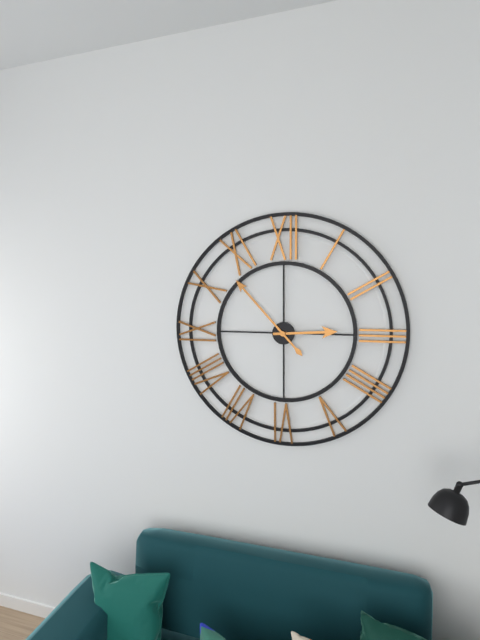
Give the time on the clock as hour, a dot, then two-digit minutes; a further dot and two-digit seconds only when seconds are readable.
2.53
